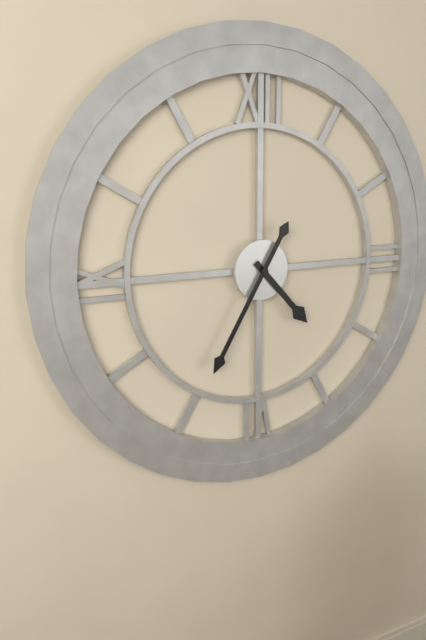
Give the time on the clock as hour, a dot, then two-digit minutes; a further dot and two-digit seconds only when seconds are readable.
4.35
